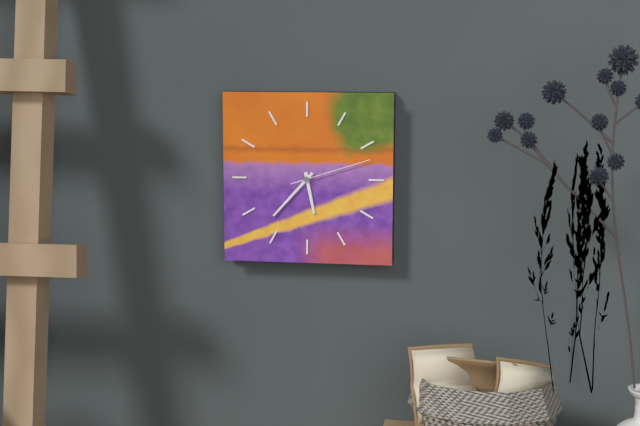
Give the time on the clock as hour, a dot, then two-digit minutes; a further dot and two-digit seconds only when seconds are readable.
5.37.12
